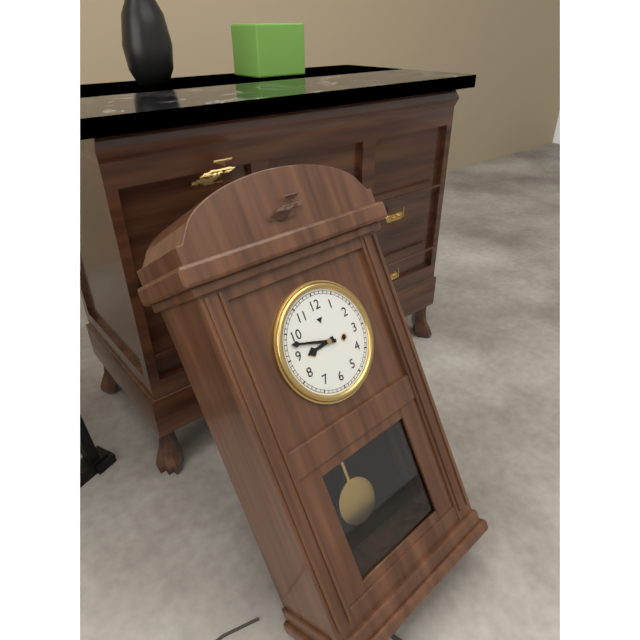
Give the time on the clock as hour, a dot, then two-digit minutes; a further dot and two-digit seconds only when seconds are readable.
8.48
